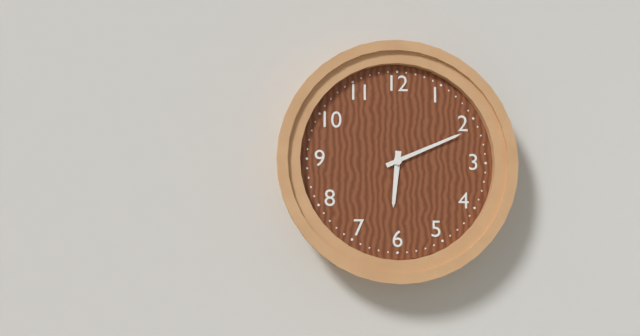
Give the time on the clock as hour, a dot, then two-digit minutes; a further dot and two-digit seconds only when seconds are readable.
6.11
